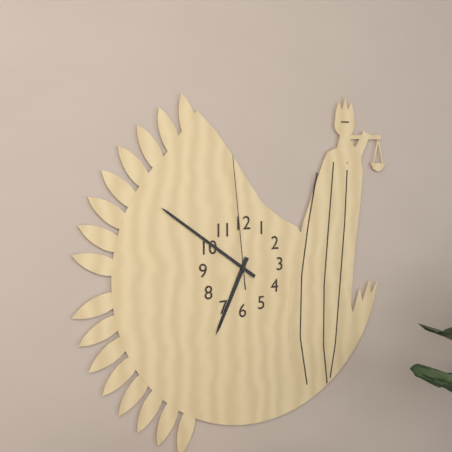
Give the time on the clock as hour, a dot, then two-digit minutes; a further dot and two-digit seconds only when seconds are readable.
6.51.59
